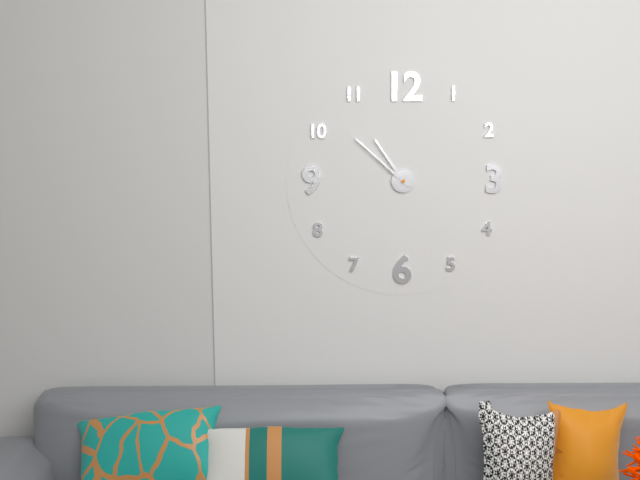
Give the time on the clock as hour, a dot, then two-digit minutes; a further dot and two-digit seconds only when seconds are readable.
10.52
